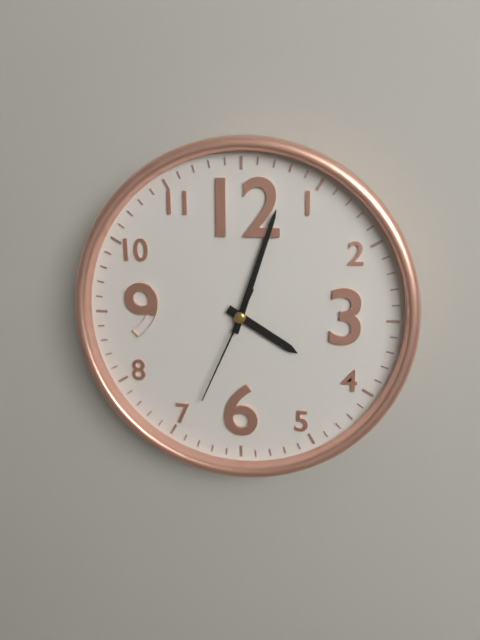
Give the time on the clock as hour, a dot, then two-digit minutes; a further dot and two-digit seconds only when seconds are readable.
4.03.34
